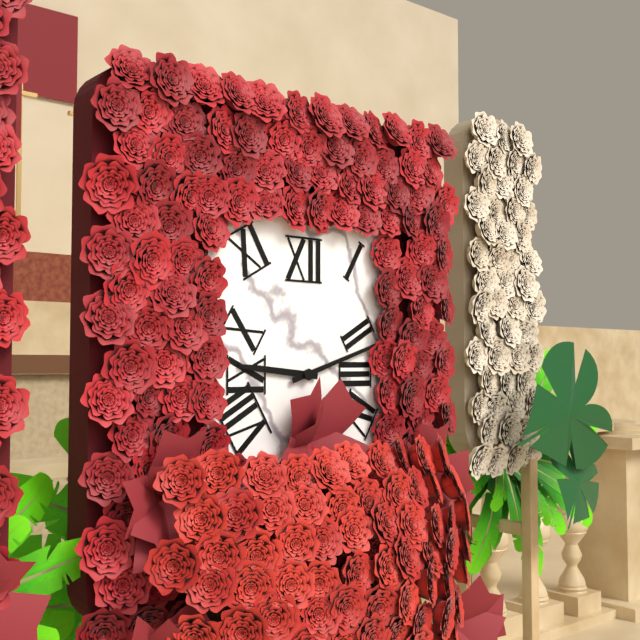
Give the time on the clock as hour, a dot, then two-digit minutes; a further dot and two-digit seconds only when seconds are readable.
9.12
